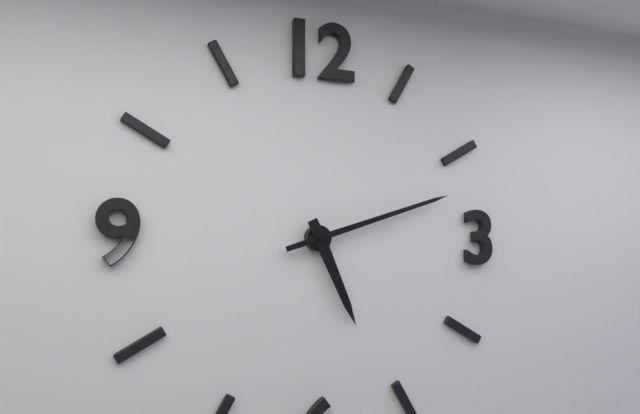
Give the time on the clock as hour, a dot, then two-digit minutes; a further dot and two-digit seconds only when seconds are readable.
5.12
